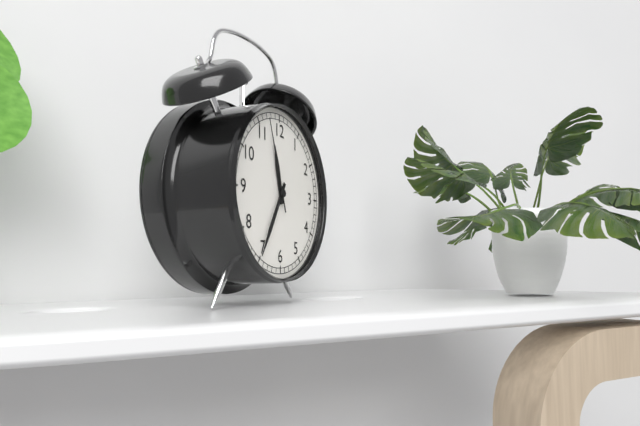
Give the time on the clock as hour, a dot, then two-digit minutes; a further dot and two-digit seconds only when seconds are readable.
11.35.57
